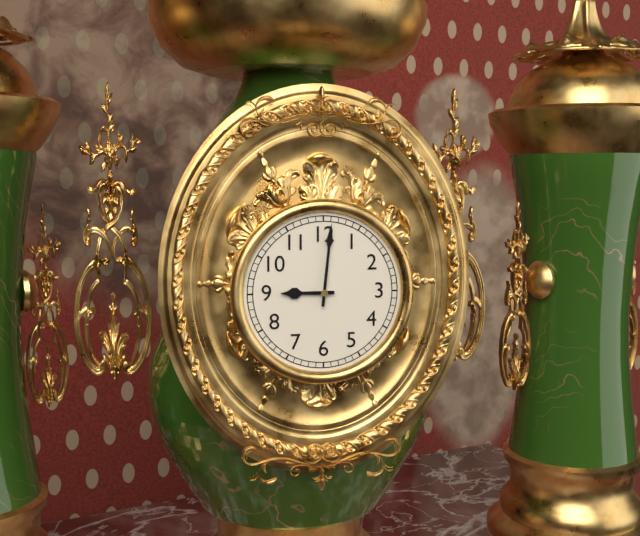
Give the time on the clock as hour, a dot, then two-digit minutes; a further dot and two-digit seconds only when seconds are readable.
9.01
